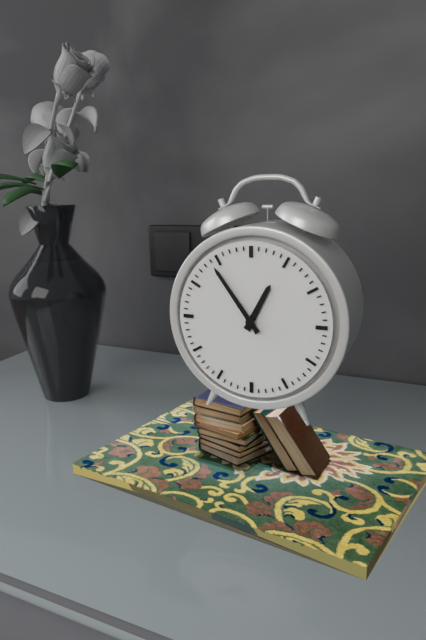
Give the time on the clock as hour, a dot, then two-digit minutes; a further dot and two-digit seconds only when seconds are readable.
12.54
